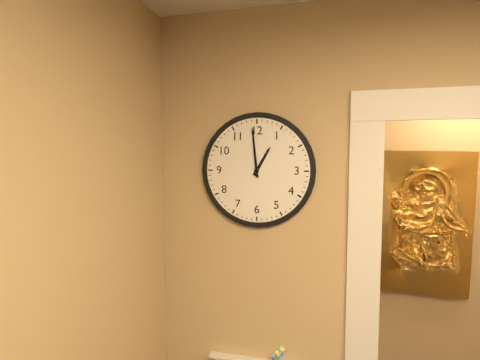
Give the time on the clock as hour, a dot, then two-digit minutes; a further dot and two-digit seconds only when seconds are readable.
12.59
